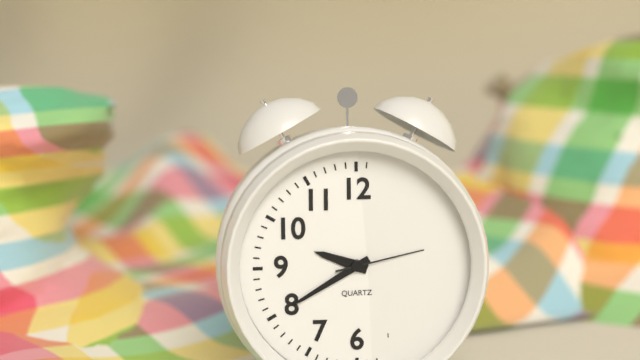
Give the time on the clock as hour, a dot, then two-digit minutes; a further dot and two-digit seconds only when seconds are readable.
9.40.13
